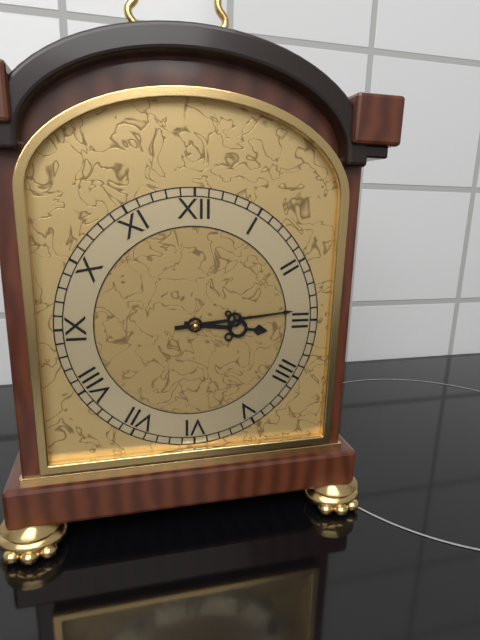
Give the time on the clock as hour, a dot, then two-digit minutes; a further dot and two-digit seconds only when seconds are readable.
3.14
